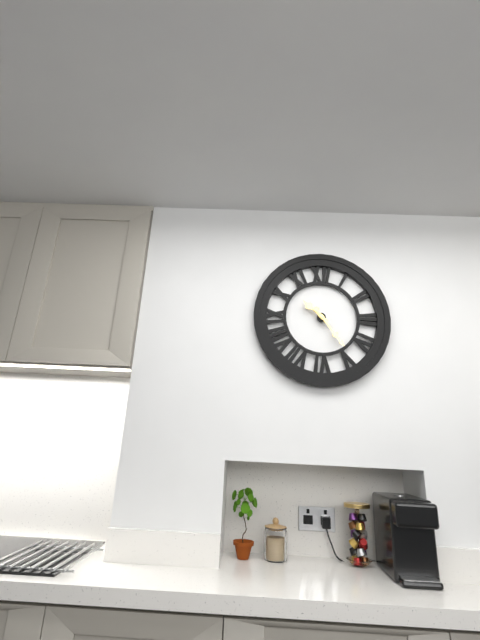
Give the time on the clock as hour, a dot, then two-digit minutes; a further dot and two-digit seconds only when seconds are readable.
10.24
